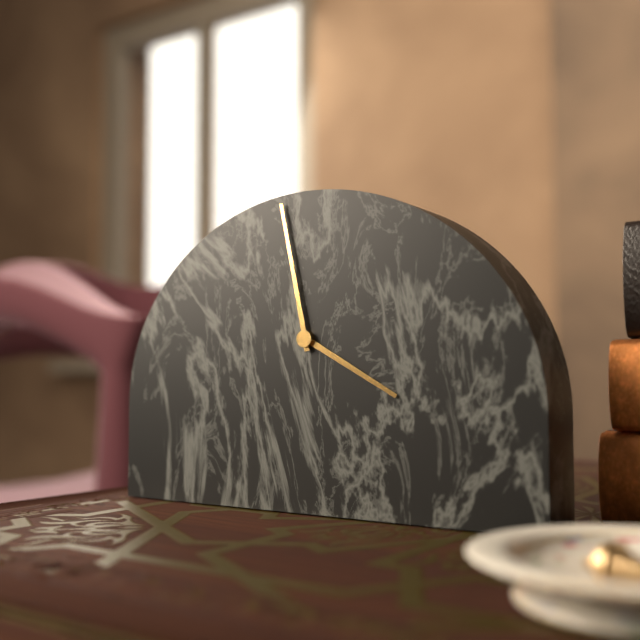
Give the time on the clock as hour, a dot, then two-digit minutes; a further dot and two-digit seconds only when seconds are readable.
3.58
